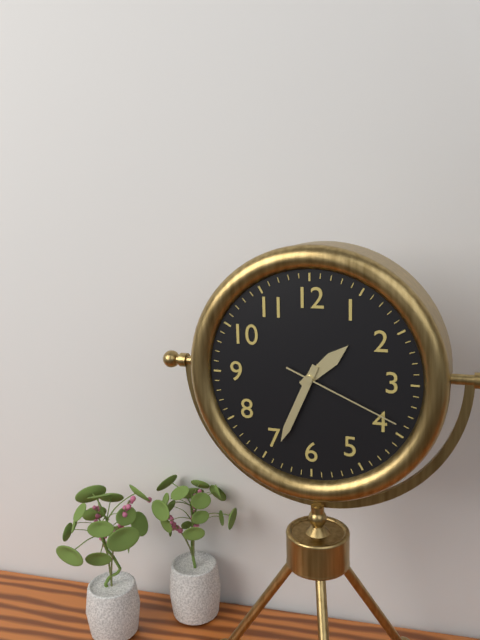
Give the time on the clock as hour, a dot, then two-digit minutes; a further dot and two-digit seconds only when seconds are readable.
1.34.19
